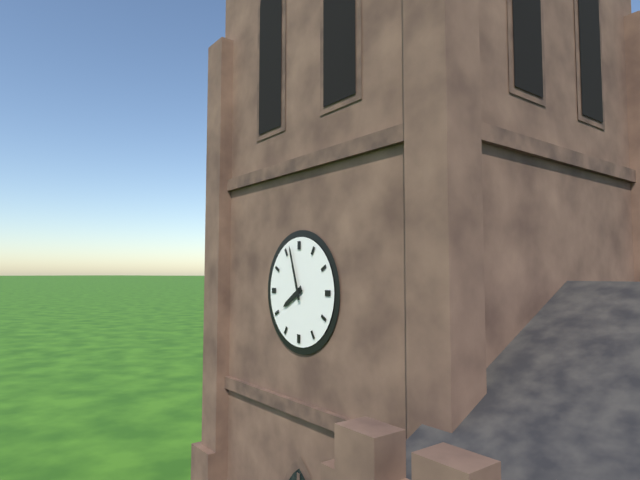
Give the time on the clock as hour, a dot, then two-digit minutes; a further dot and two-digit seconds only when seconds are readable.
7.57
